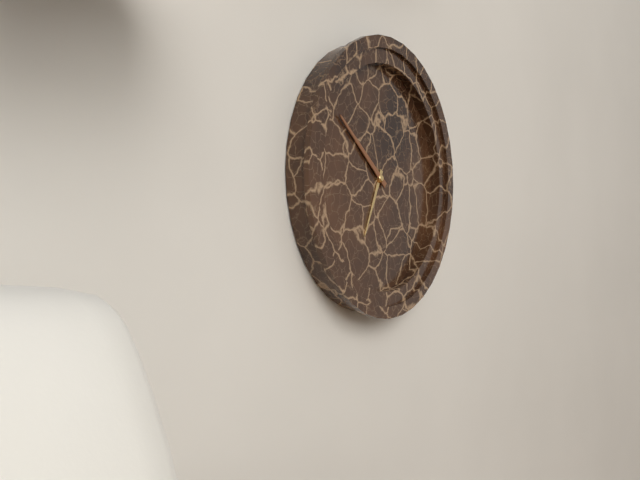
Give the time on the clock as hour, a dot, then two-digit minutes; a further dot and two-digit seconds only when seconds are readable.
6.51
